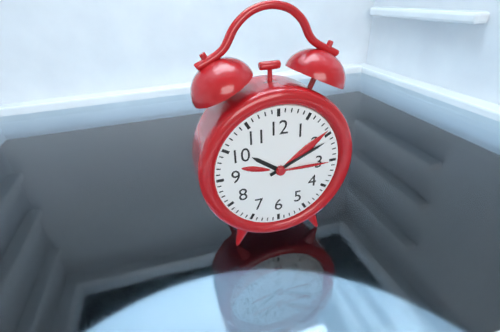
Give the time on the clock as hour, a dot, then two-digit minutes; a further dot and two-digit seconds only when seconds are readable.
10.11
